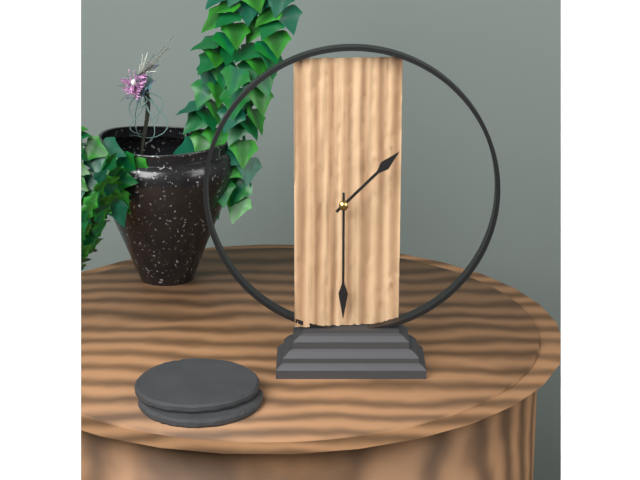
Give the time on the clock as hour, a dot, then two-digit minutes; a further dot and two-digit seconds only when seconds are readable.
1.30
